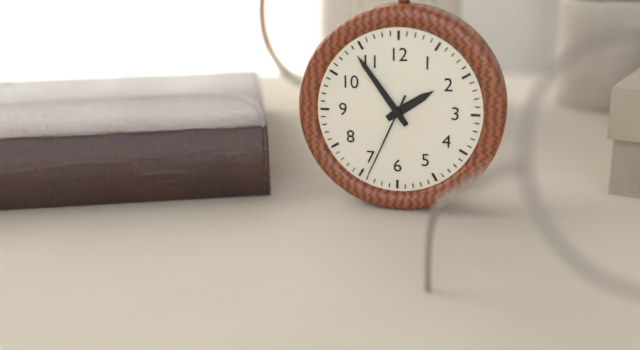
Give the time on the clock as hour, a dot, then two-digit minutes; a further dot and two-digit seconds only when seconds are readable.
1.54.34
